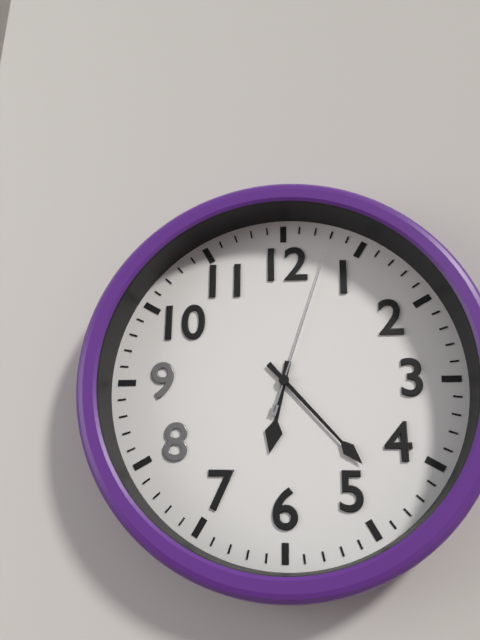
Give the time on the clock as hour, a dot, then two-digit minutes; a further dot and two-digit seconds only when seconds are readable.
6.23.03
